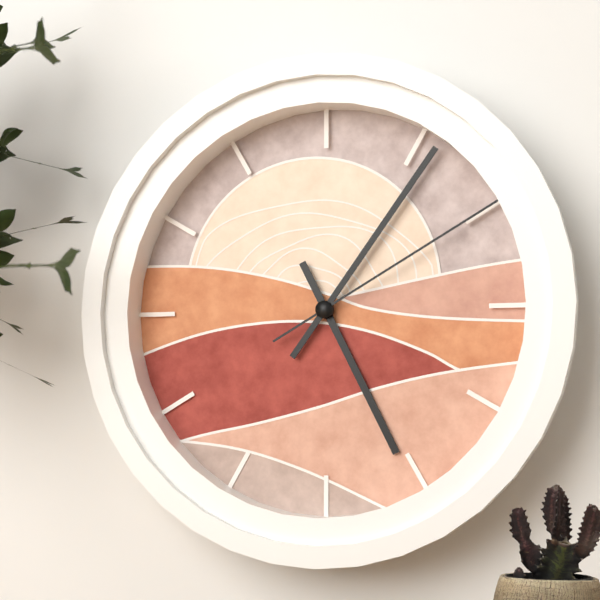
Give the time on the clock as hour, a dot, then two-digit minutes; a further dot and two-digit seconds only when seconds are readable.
5.06.10
